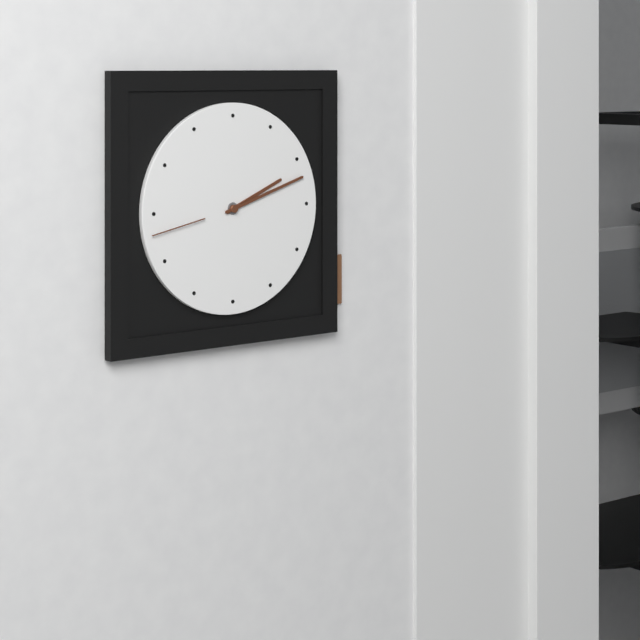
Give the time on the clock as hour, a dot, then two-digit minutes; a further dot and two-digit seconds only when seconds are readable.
2.12.43
